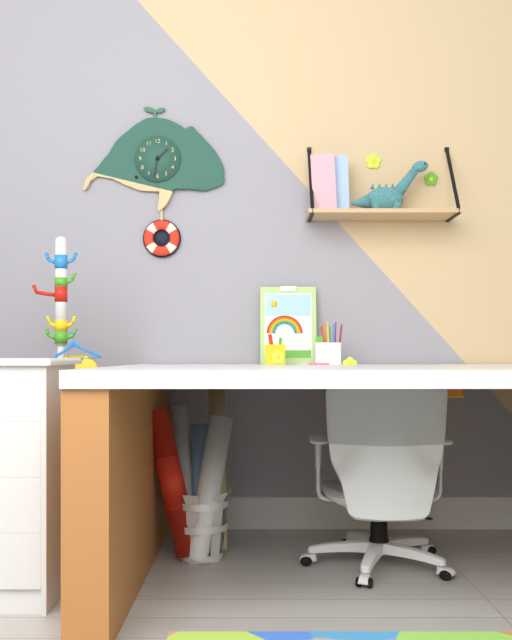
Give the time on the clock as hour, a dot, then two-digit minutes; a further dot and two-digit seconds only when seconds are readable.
1.32
